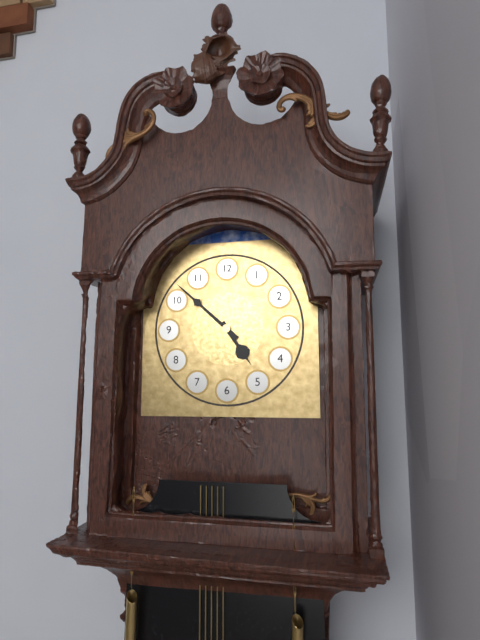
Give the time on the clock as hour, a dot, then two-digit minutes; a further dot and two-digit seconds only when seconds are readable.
4.52
